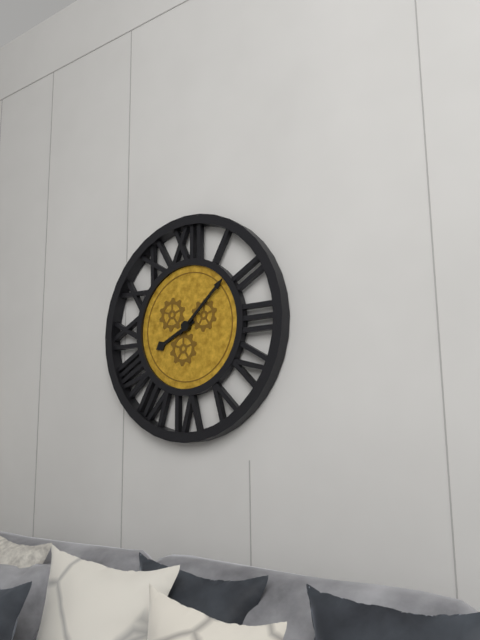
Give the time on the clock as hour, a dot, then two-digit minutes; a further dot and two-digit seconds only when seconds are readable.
8.08
